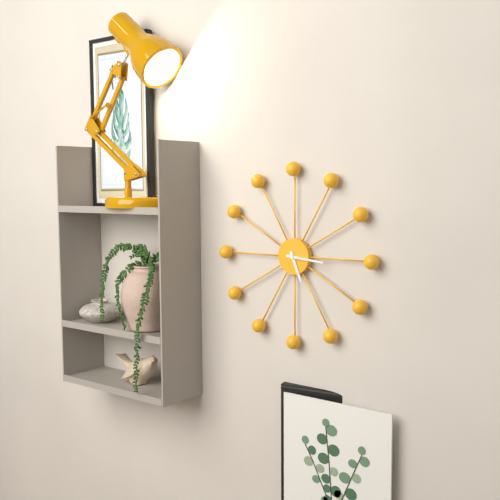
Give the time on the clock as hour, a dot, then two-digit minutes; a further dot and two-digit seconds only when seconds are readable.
5.16
